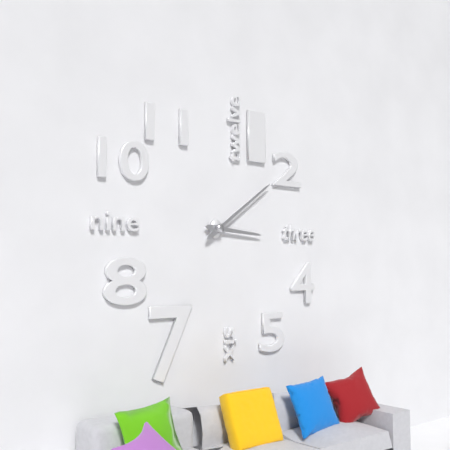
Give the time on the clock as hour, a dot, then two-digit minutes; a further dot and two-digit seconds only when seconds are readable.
3.09
